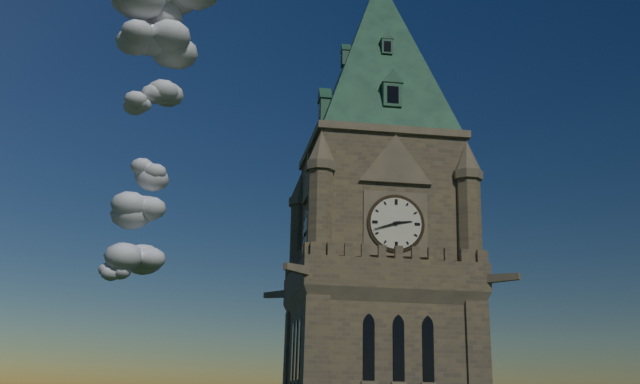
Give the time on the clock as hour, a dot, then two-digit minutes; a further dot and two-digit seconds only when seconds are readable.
2.42
